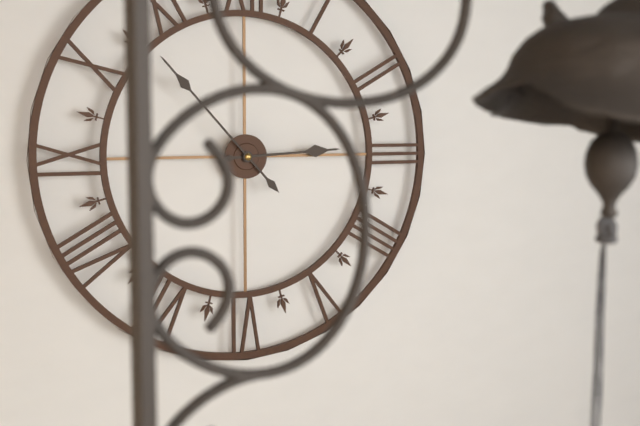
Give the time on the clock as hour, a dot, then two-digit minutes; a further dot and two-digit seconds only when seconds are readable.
2.53
